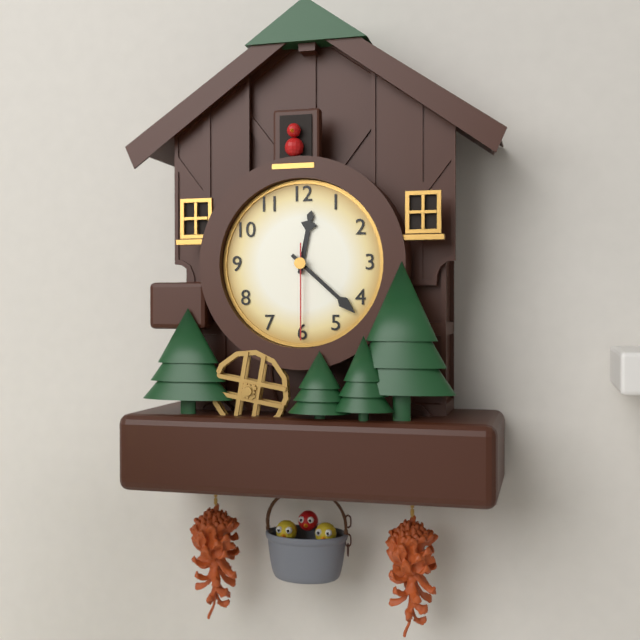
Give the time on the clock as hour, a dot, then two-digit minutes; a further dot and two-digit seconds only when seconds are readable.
12.22.30
